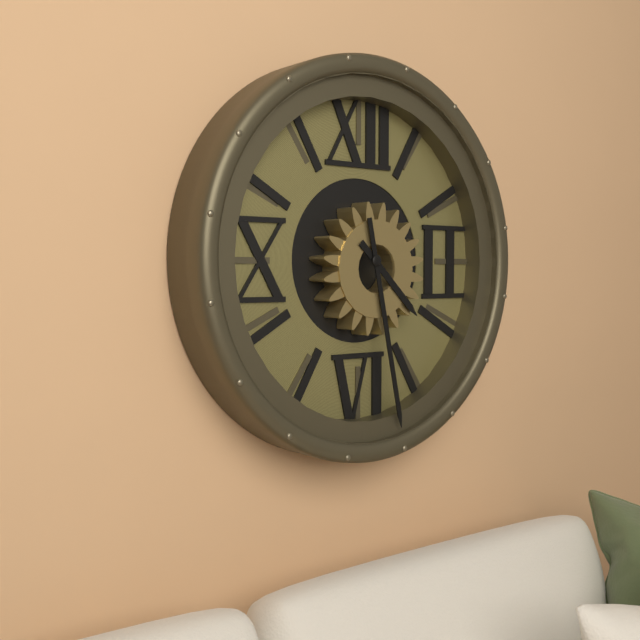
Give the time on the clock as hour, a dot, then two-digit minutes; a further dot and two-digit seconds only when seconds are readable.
4.28
